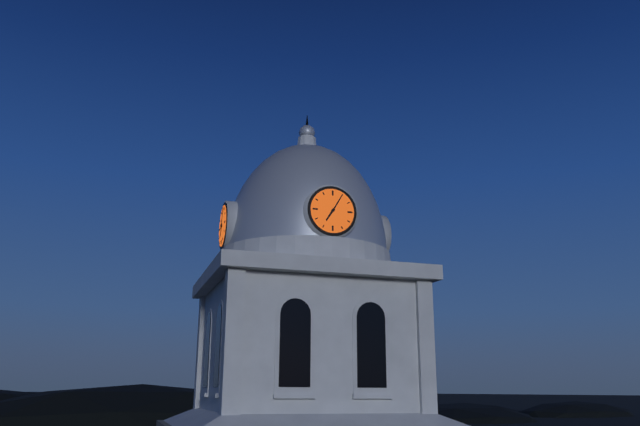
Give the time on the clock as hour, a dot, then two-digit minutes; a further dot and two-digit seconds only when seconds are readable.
7.05
